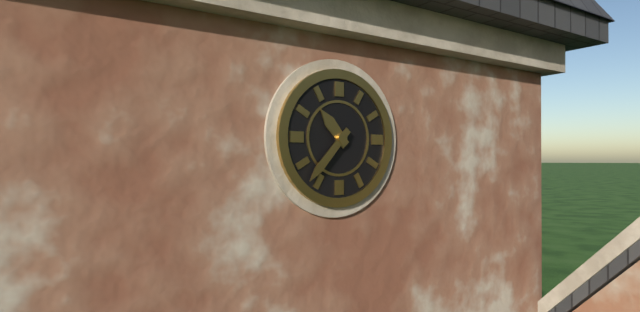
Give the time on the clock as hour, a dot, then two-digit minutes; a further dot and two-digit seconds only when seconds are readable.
10.37
